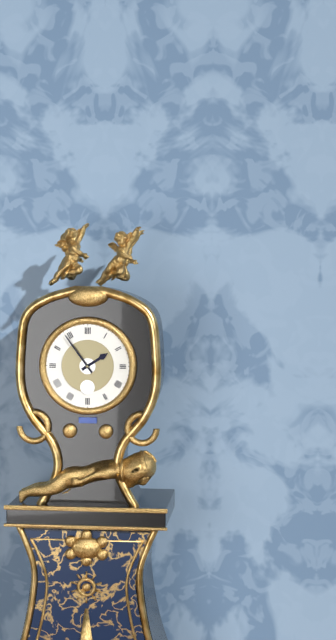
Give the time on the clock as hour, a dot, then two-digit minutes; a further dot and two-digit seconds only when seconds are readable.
1.54
